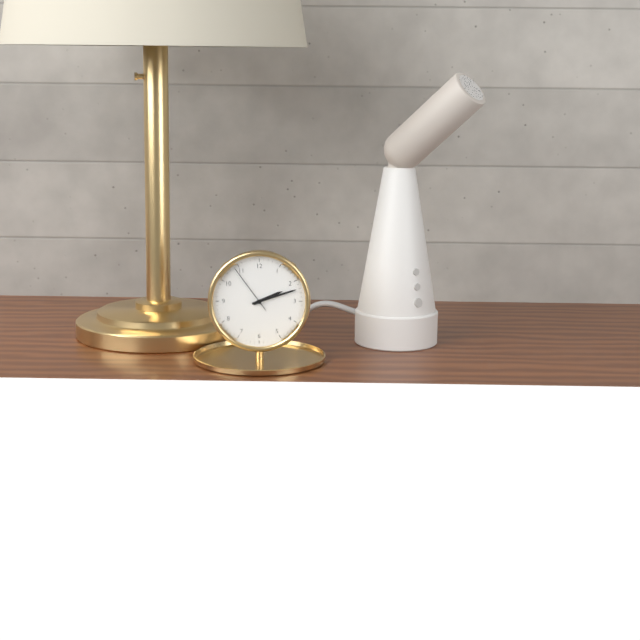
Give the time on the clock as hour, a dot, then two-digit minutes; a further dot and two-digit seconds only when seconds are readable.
2.12.54
